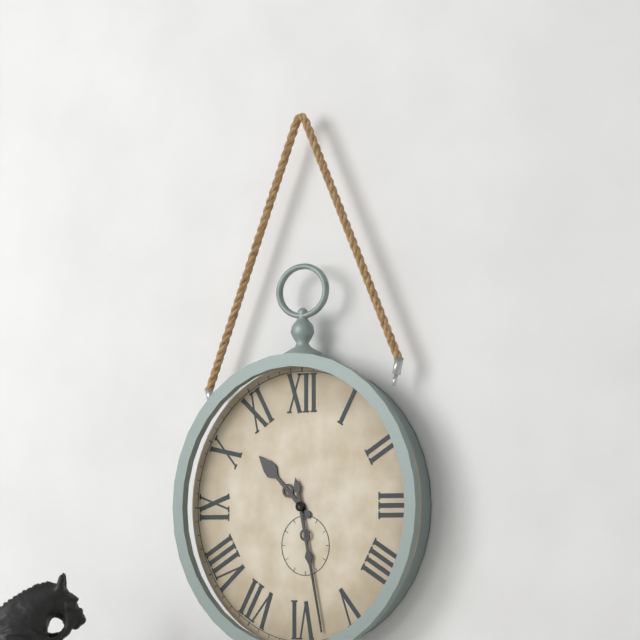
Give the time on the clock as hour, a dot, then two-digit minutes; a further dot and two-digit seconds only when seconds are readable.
10.28
